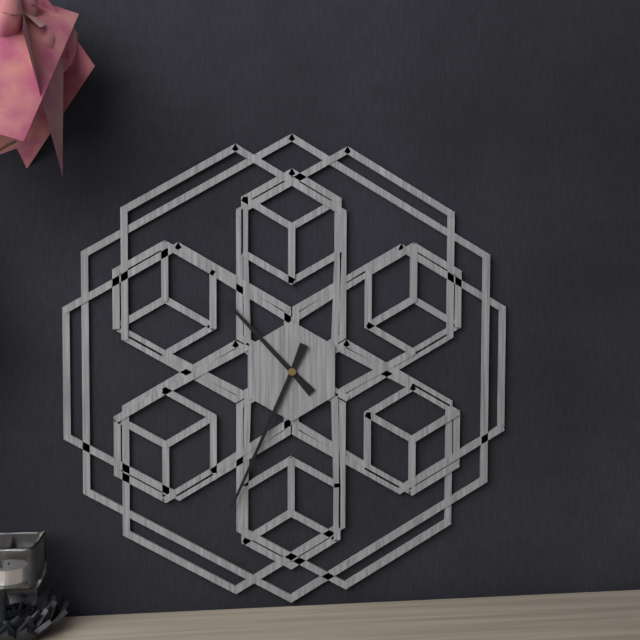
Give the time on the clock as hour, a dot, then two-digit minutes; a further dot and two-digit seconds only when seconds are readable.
10.34
